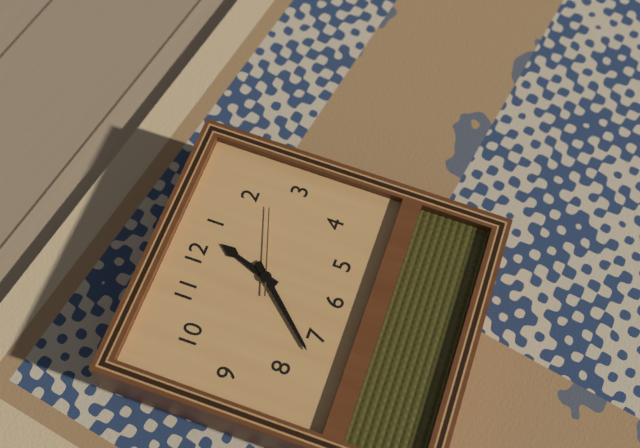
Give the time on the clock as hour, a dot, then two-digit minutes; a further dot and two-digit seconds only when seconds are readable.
12.37.12
